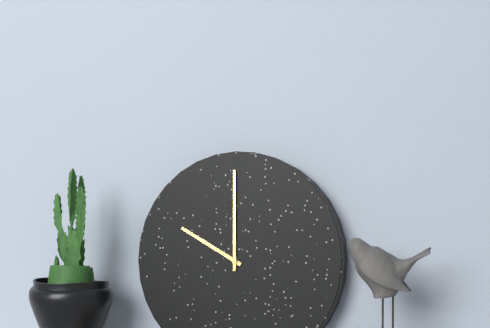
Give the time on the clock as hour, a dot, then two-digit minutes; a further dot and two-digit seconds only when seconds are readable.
10.00
